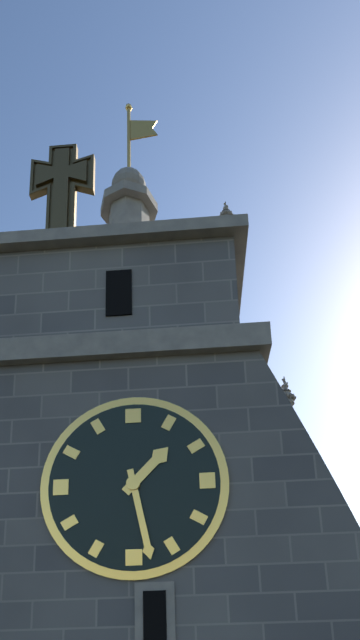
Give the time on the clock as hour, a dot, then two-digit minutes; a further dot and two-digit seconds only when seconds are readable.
1.28
